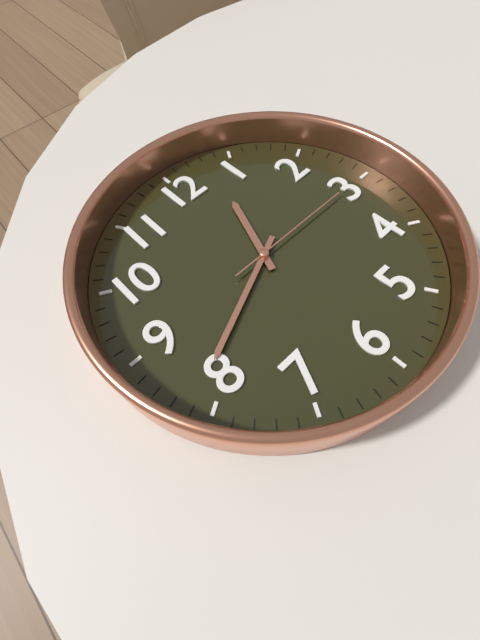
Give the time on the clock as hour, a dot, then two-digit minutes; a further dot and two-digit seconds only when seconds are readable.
12.41.15
